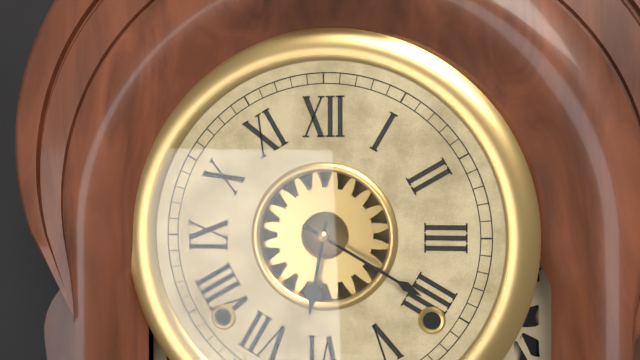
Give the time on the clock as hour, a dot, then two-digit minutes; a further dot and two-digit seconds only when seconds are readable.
6.20
